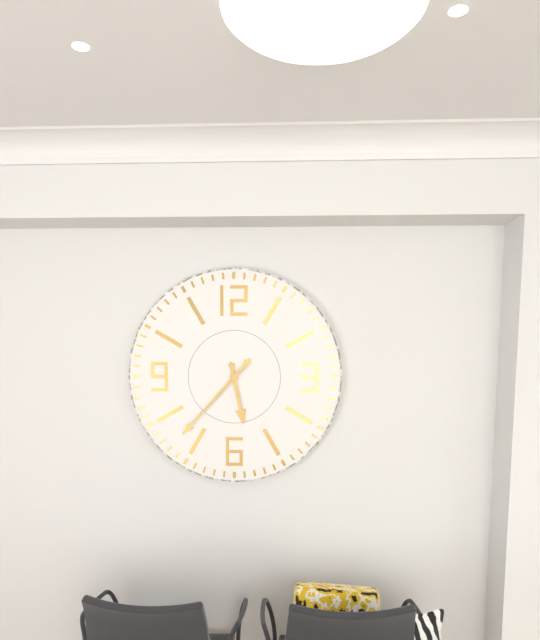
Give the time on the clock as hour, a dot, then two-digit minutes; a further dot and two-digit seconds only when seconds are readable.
5.37
